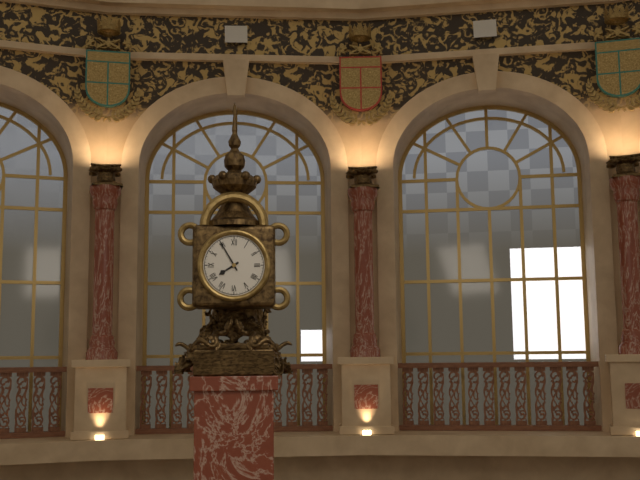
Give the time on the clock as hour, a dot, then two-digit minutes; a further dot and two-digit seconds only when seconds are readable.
7.55
